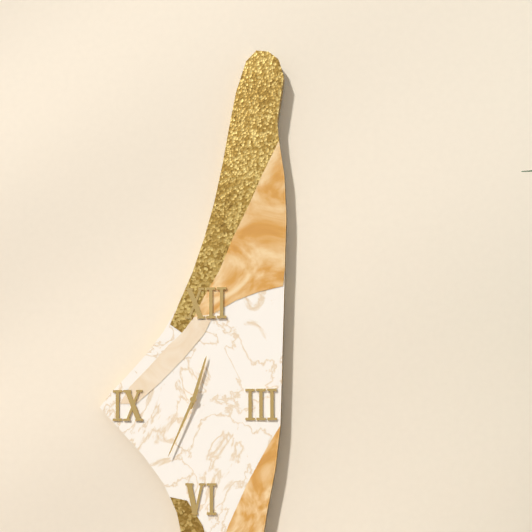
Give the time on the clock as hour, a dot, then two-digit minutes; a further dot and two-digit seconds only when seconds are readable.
12.34
